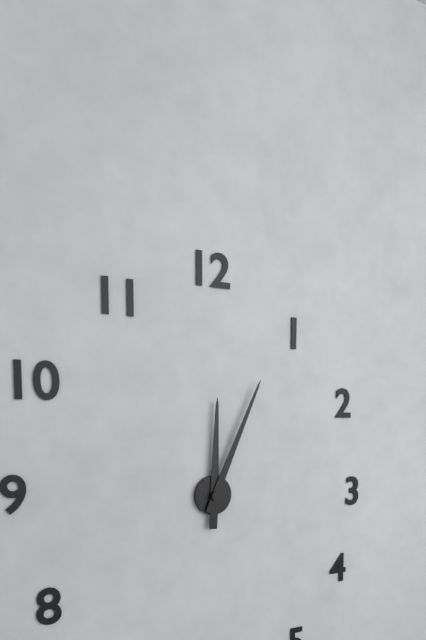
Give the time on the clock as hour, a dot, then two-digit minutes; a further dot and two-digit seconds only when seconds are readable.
12.04
